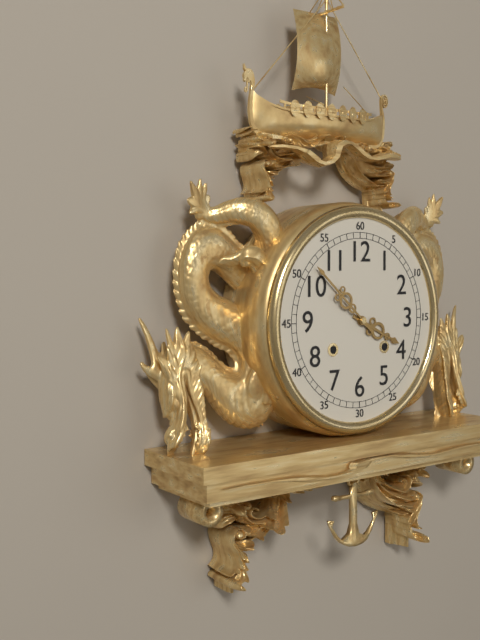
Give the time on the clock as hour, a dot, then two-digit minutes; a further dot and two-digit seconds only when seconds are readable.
3.52
